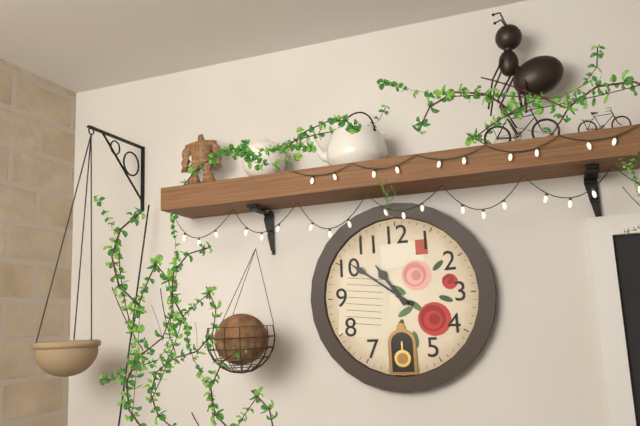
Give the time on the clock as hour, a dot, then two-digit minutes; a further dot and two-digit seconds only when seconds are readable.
10.51
